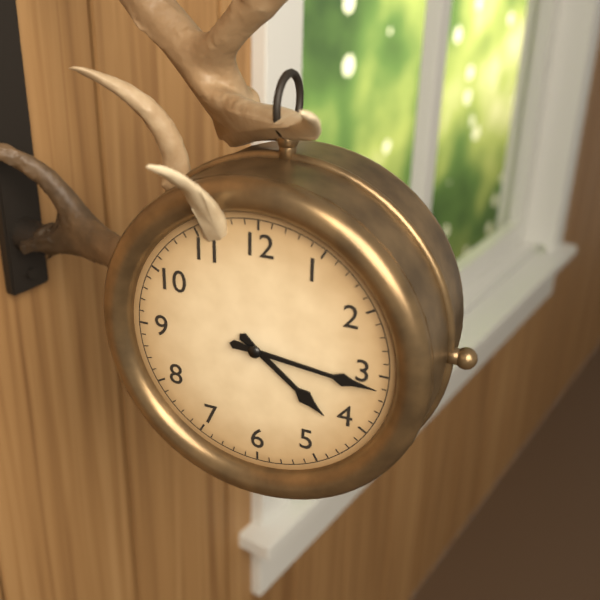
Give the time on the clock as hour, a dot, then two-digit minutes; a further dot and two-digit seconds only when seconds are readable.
4.16
